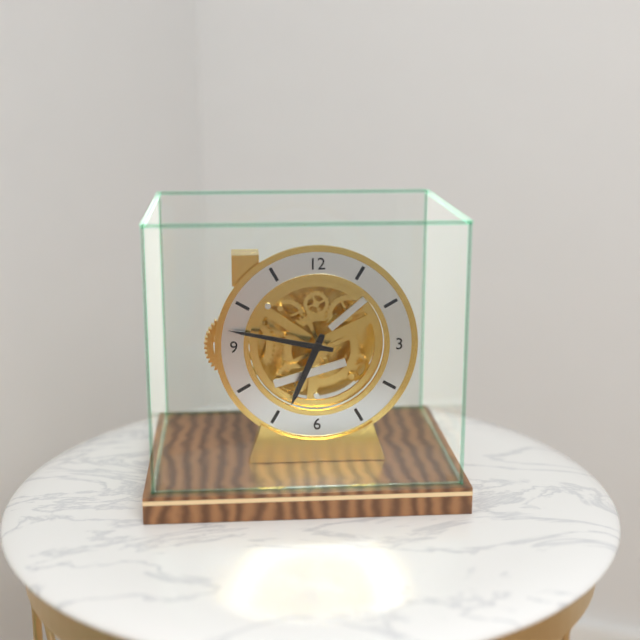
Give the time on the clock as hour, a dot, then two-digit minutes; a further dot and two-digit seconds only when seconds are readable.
6.47
